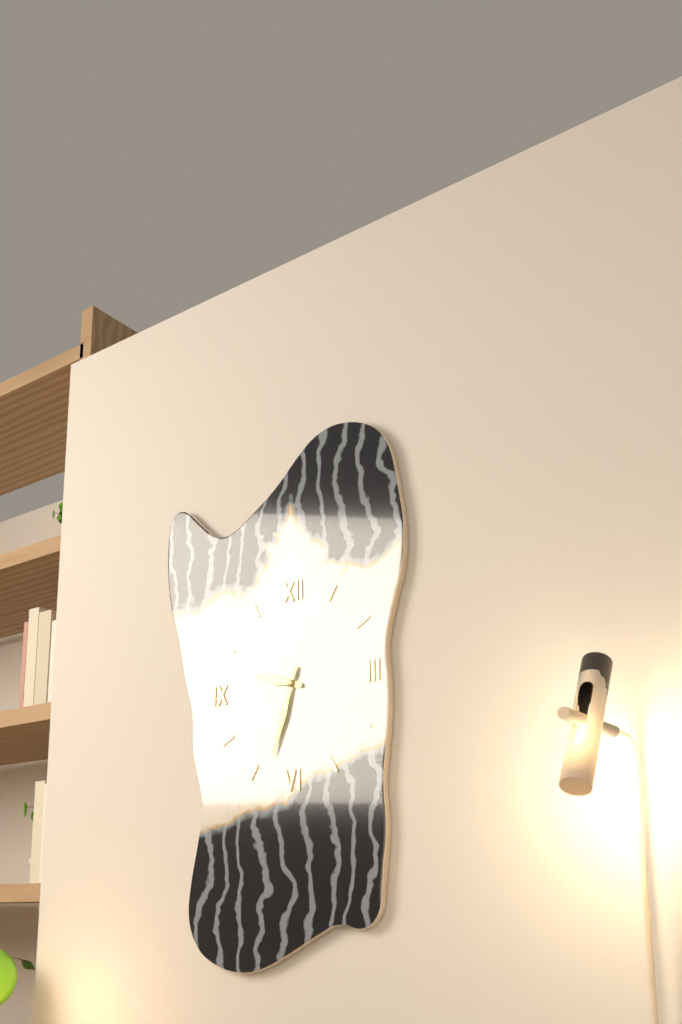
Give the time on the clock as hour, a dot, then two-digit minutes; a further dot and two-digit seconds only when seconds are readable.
9.33
